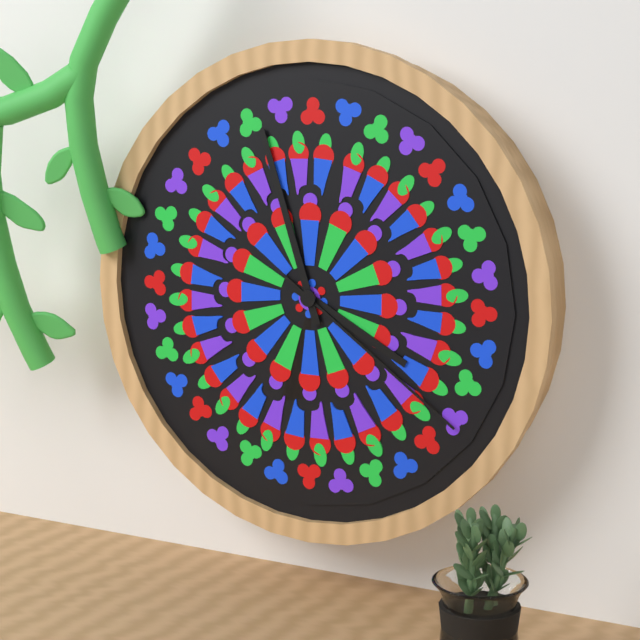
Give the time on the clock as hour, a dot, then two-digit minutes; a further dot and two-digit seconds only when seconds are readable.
3.57.21
